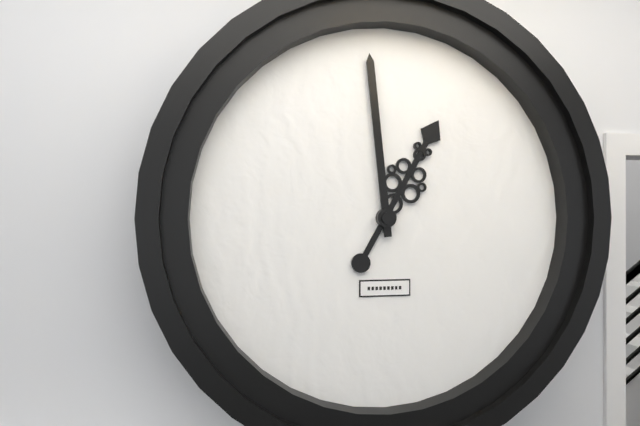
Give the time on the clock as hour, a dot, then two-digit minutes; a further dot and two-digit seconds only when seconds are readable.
12.59
